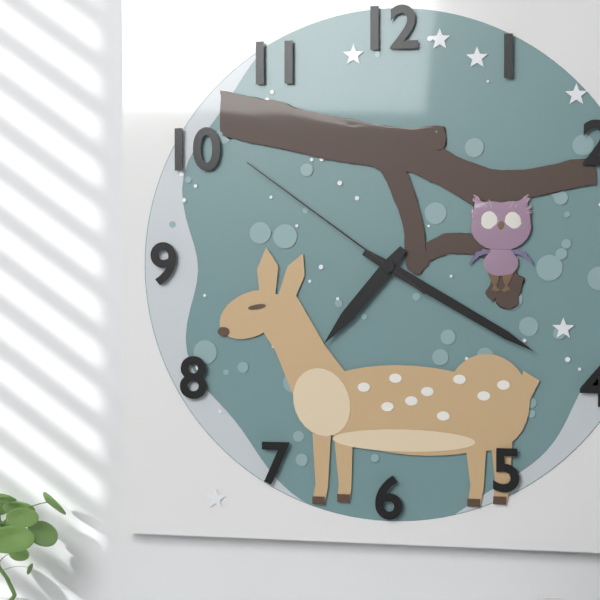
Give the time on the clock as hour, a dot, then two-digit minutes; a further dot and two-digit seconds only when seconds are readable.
7.20.51
